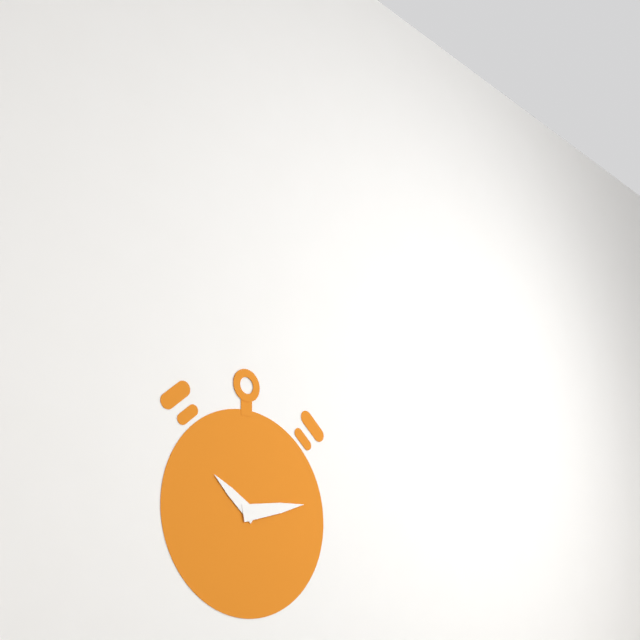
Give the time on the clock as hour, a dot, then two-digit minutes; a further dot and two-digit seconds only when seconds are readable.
10.13
